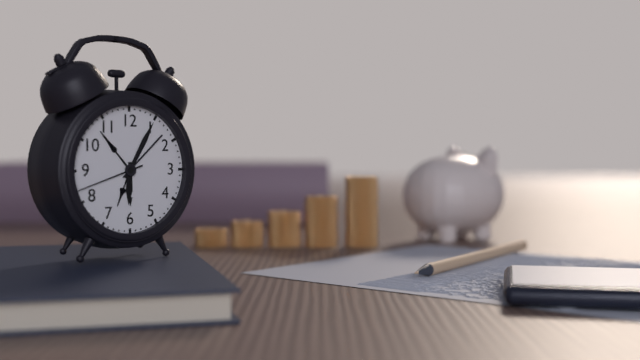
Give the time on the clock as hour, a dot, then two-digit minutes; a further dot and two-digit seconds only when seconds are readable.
6.05.42
